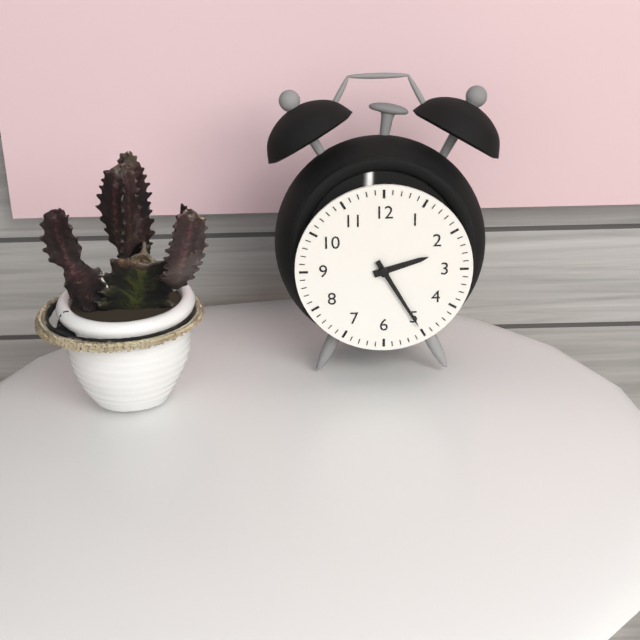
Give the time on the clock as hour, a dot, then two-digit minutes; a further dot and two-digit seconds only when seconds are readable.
2.25
